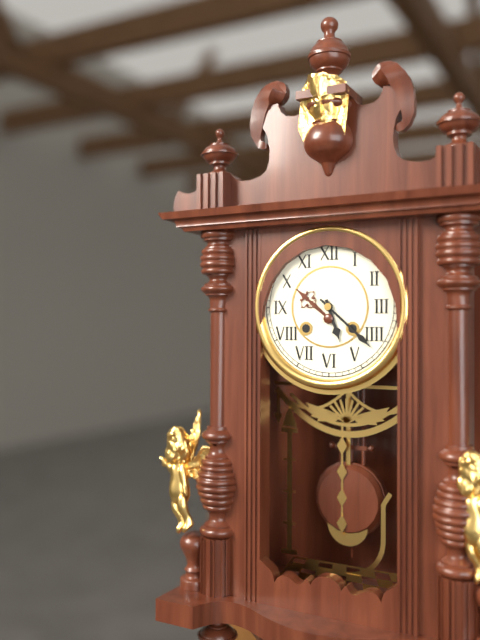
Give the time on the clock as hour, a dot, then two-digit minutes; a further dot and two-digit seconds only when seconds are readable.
5.22
